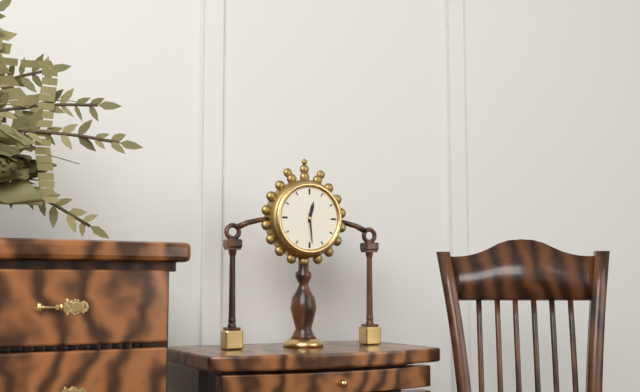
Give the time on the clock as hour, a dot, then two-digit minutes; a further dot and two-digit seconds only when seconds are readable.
12.29
